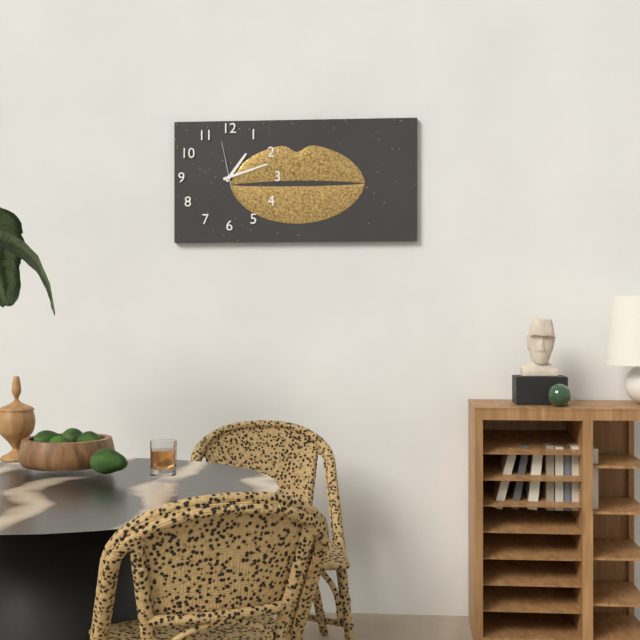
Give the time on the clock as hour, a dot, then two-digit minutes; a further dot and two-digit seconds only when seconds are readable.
1.12
